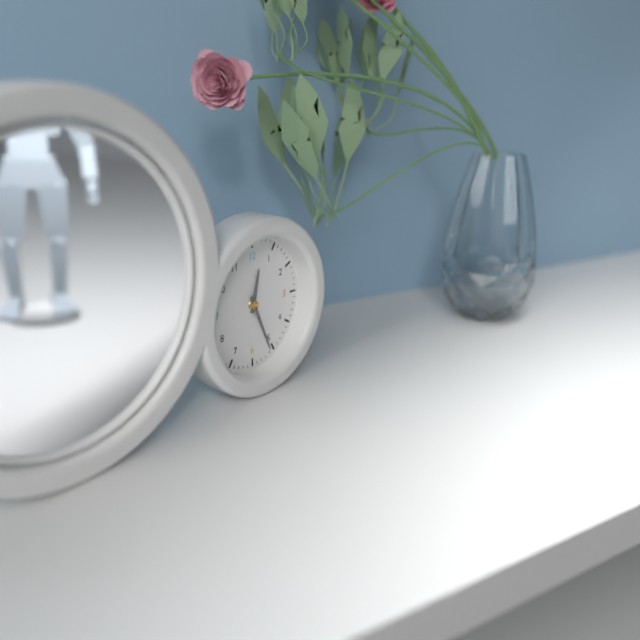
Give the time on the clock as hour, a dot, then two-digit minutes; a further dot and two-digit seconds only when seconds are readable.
12.26
